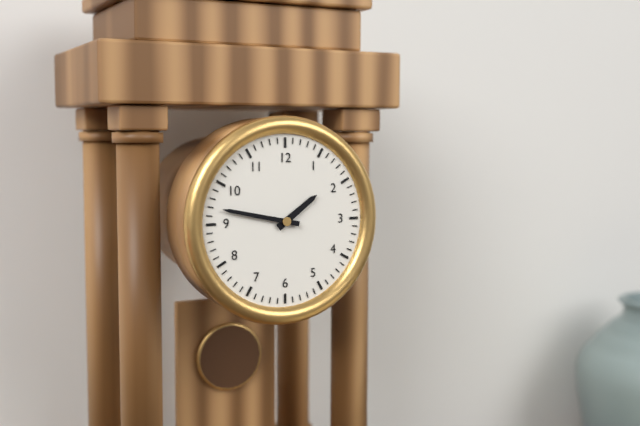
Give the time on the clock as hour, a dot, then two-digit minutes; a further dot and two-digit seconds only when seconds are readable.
1.47
